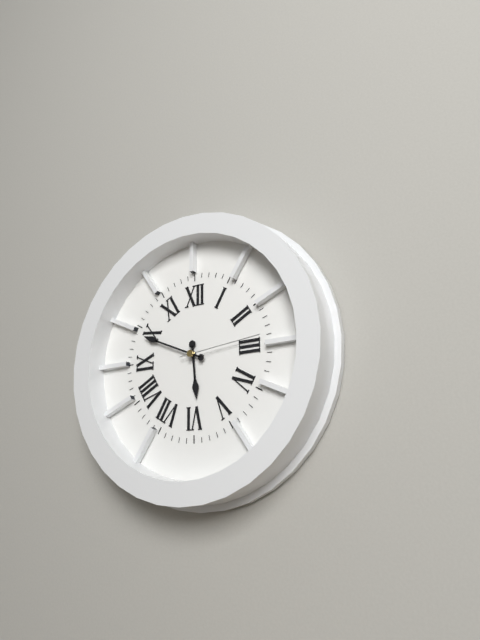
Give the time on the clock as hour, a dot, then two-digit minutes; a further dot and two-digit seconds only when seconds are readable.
5.49.14
